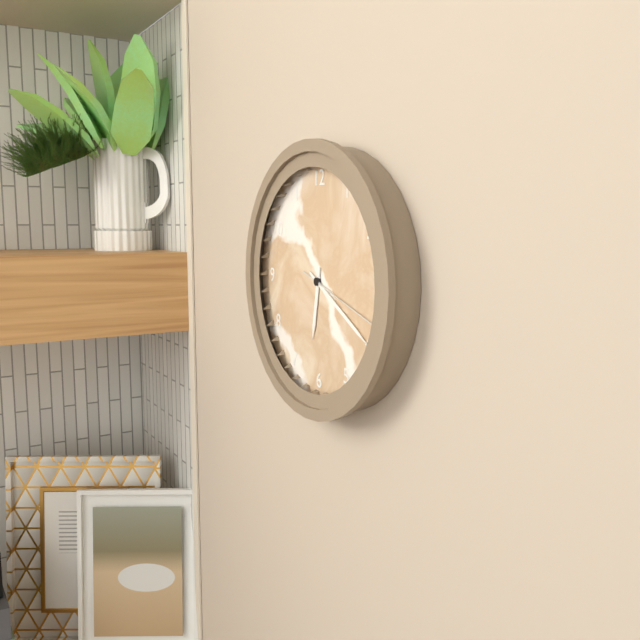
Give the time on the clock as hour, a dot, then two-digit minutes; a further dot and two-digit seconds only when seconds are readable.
6.20.18
